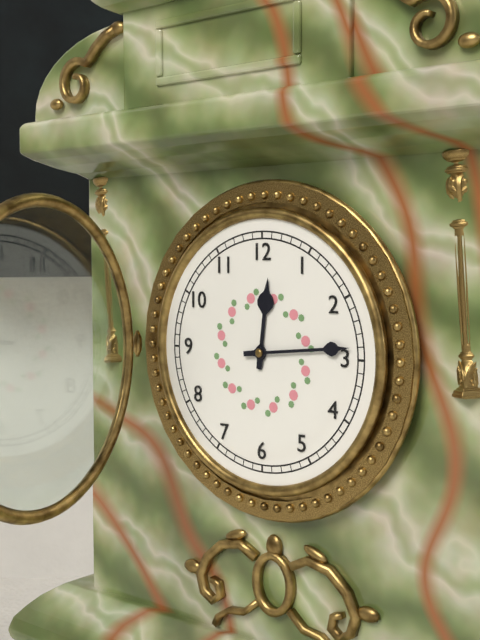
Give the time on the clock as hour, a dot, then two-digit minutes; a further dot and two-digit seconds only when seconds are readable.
12.14
